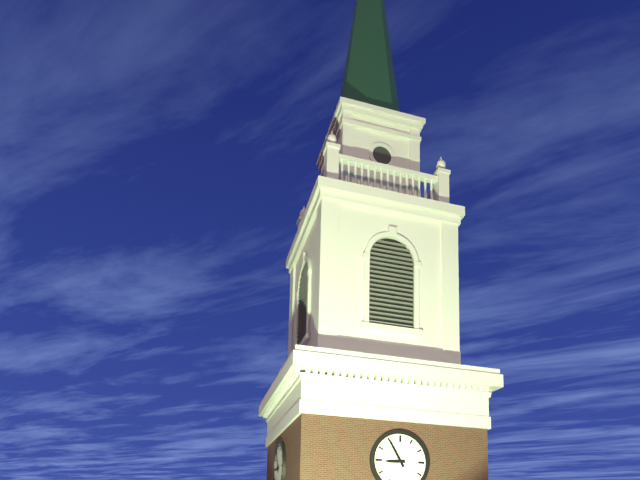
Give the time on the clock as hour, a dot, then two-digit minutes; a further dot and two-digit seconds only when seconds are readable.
8.55
